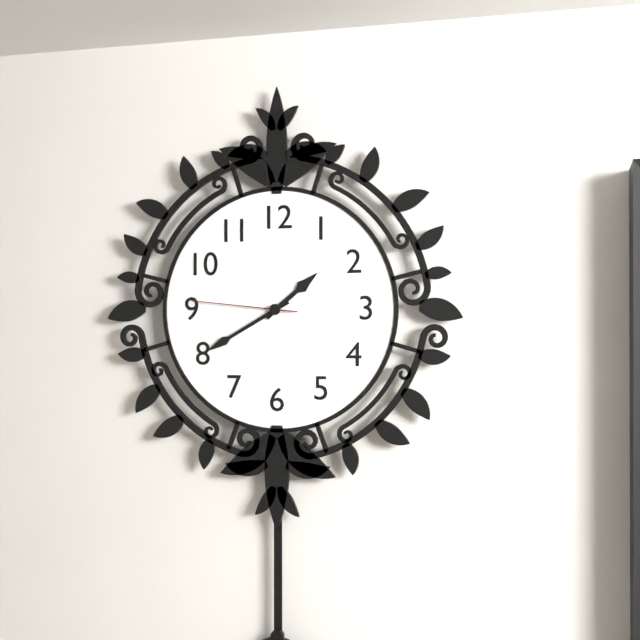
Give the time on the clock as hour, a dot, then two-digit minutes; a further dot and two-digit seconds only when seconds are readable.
1.40.46
